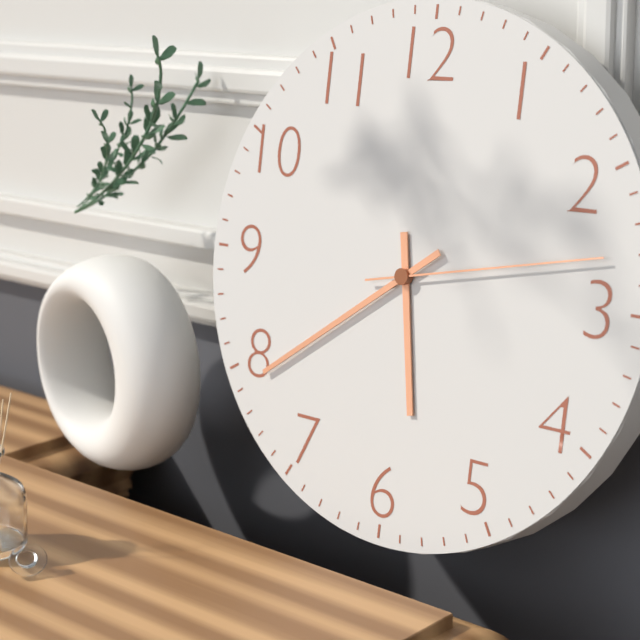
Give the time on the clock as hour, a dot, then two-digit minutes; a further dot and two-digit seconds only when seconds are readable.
5.39.13
